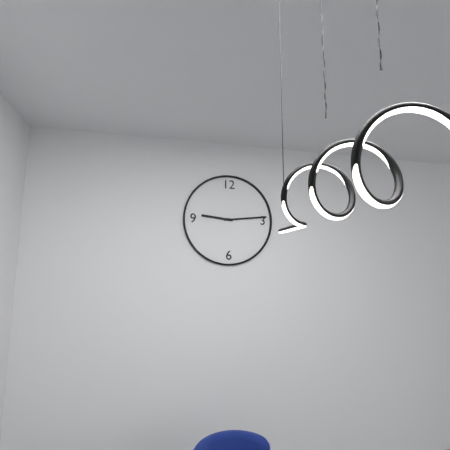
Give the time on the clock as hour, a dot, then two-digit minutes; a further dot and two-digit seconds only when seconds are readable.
9.14
